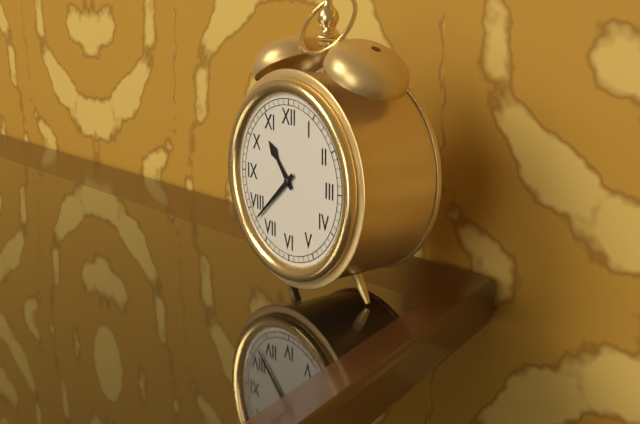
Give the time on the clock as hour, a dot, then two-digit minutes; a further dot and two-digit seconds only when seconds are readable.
10.38
